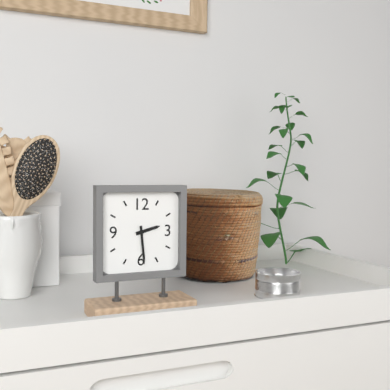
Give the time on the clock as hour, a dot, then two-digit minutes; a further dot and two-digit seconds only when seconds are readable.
2.29
